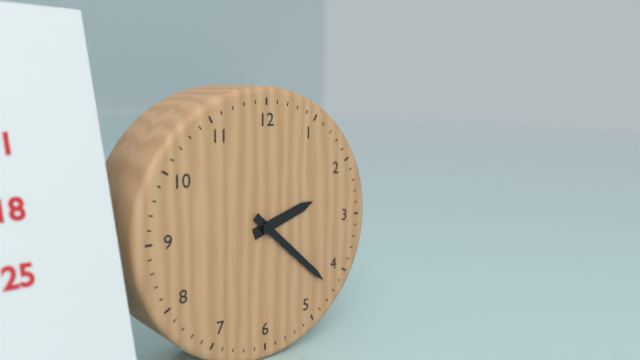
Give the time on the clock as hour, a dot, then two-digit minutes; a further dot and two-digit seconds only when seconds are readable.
2.22
